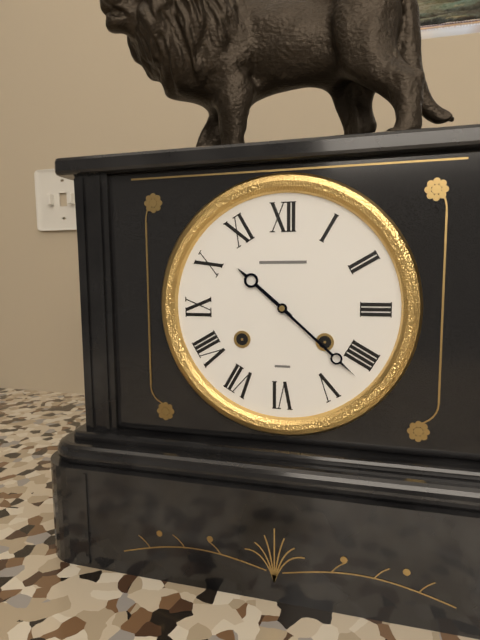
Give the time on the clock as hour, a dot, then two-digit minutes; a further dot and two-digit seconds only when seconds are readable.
10.22
